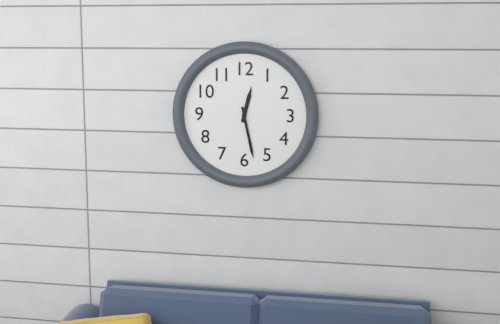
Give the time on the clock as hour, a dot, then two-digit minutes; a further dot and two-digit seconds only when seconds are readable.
12.28
